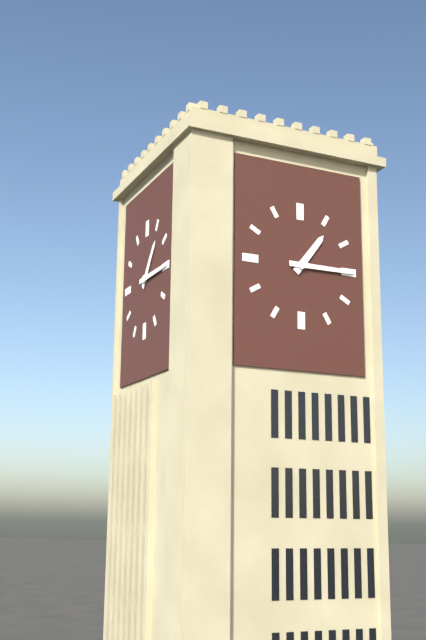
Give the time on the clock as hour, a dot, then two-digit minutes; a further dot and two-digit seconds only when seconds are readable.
1.15
